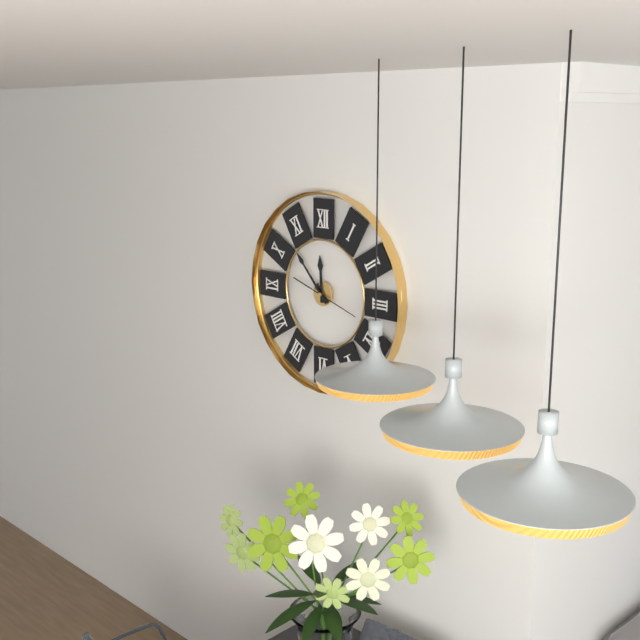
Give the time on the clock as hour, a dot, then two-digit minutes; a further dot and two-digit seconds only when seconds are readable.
11.53
